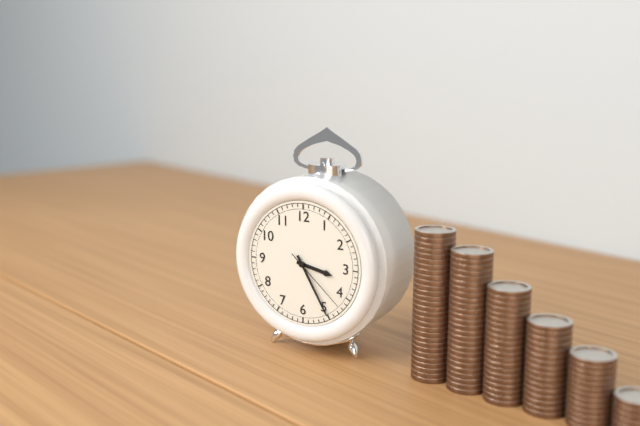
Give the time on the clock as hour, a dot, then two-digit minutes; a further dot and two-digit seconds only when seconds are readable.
3.25.22
